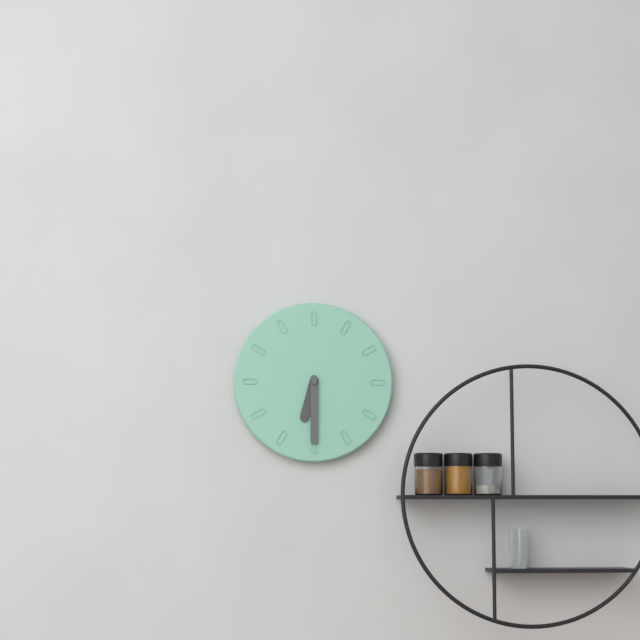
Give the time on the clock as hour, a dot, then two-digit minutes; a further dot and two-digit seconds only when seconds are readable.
6.30
